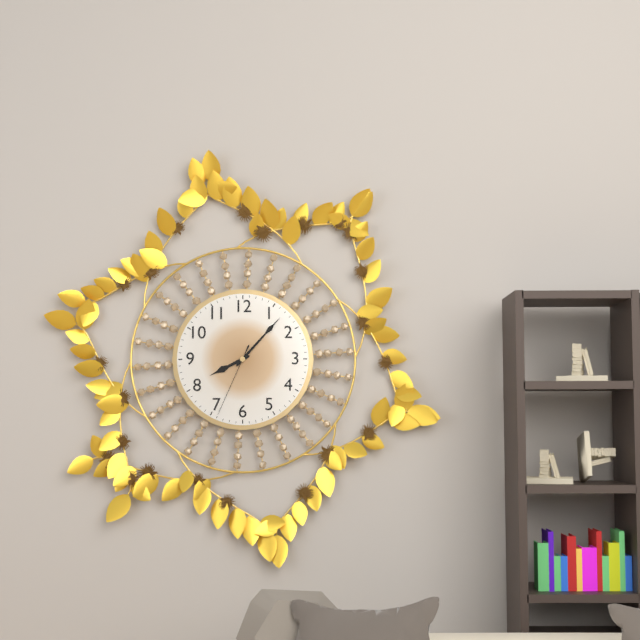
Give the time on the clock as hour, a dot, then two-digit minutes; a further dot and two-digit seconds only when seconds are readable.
8.07.34
